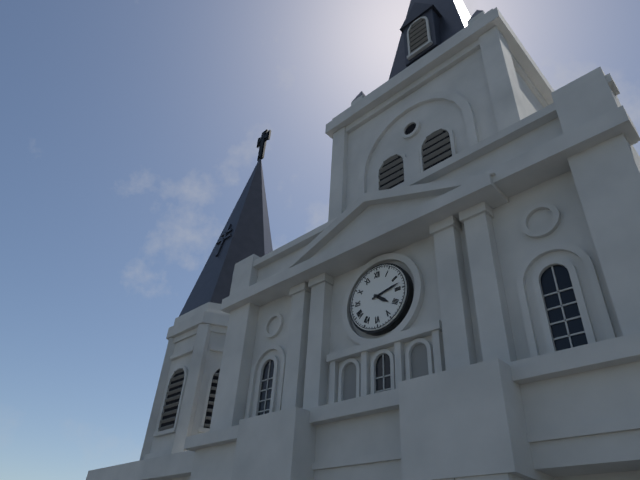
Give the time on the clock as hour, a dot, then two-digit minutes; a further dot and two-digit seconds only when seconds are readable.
4.13
